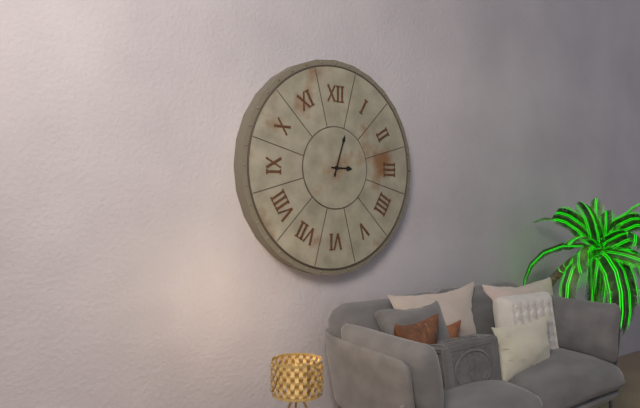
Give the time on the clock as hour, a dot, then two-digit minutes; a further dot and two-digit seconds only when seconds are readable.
3.03
